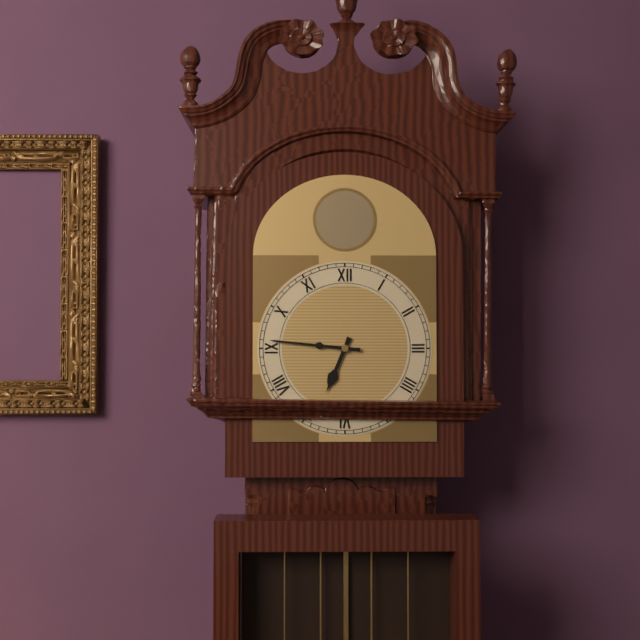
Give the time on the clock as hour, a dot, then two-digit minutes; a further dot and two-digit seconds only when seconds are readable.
6.46
